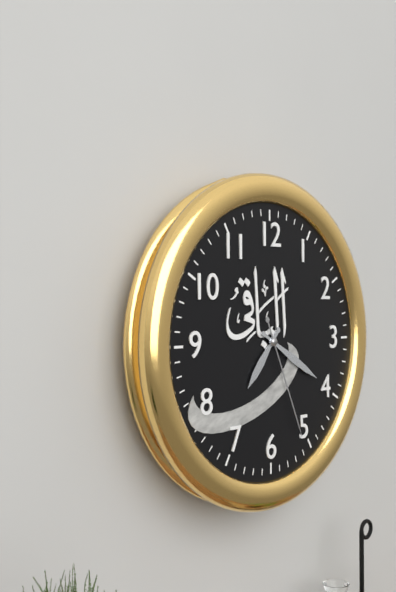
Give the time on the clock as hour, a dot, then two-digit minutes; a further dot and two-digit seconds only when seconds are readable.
7.20.26
